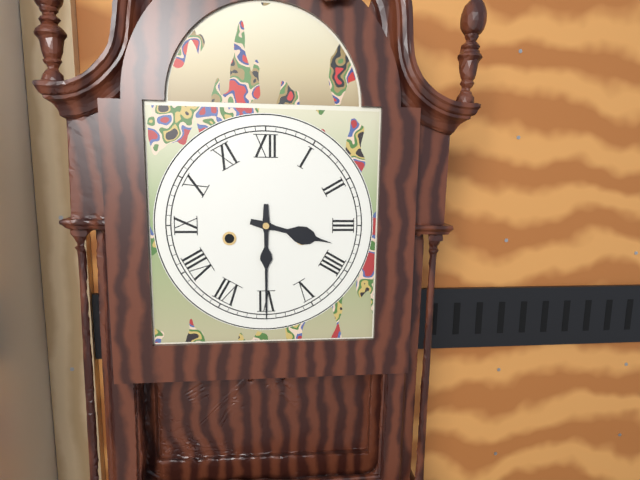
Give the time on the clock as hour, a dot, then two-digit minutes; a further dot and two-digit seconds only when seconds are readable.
3.30
